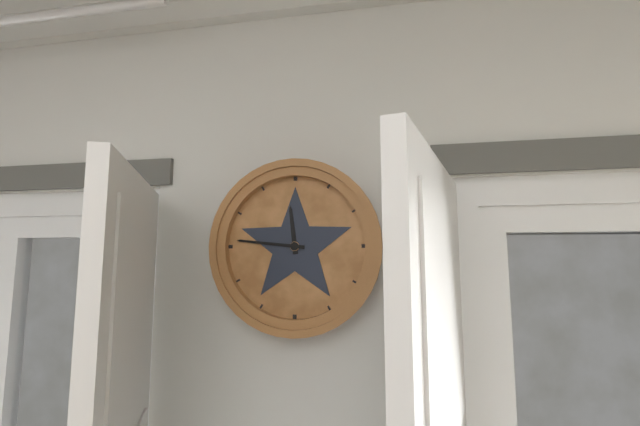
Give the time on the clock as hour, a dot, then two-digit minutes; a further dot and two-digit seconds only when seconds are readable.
11.46
